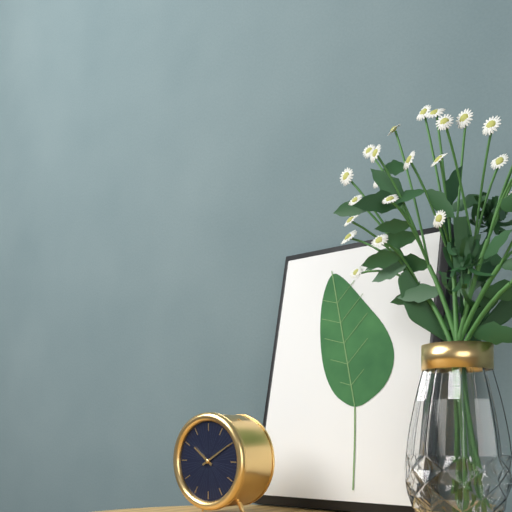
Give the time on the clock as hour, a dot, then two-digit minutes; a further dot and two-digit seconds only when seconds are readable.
10.10
